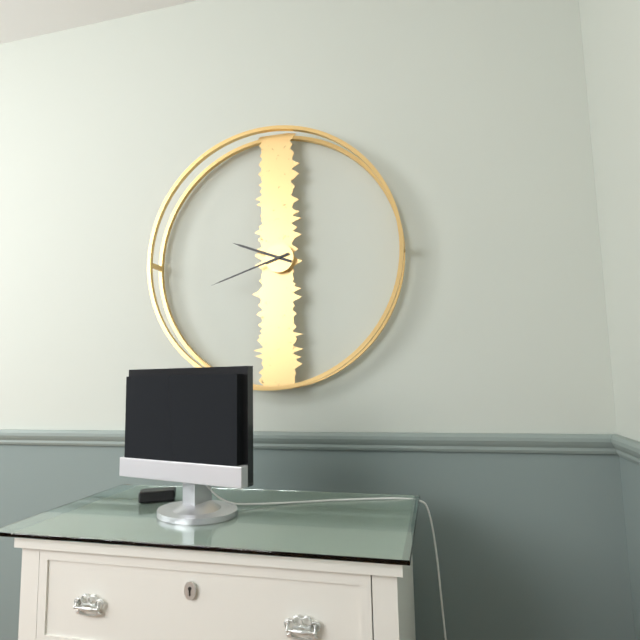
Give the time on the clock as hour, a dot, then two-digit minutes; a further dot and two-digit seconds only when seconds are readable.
9.42
